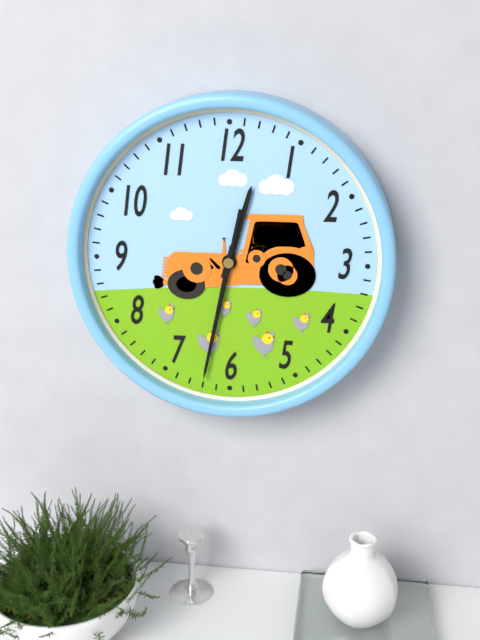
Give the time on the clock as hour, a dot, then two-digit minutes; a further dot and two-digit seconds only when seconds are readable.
12.32.32
